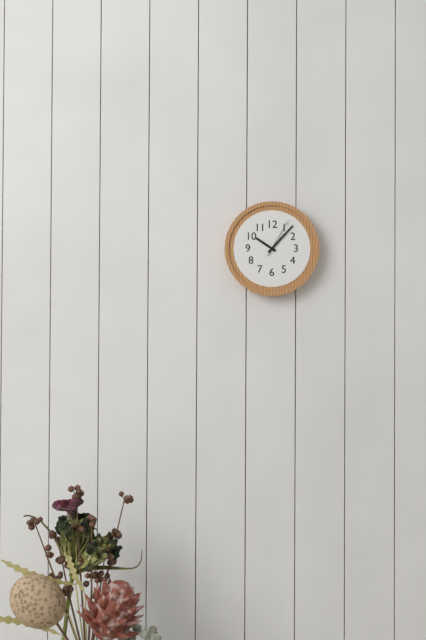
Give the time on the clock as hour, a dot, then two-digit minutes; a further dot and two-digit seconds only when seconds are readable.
10.07
